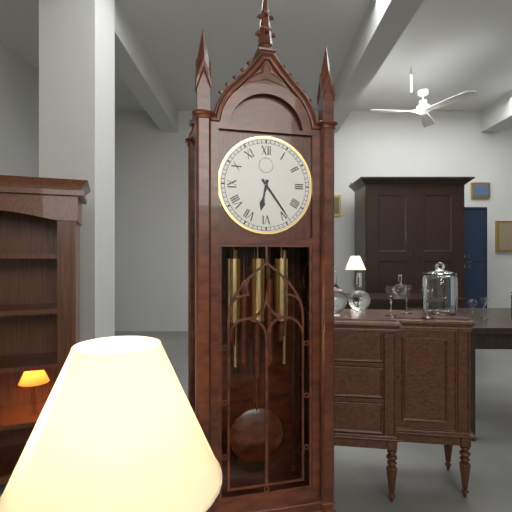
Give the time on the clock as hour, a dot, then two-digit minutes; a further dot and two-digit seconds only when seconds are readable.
6.24
